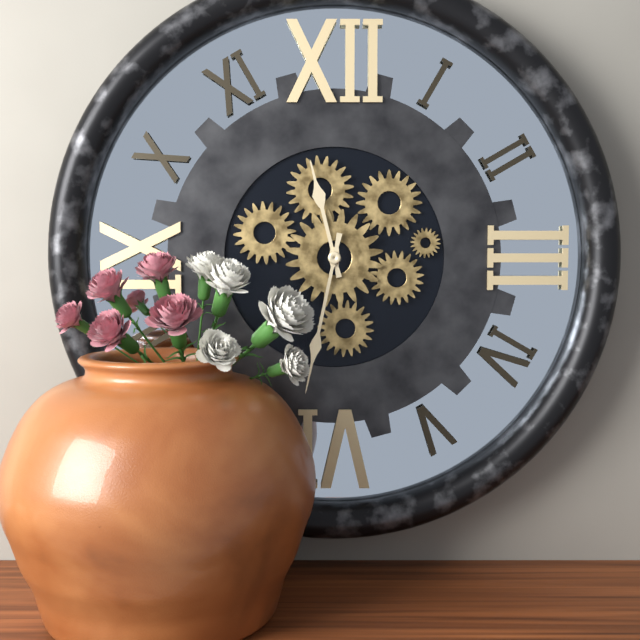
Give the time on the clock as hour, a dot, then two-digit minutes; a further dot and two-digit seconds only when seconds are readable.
11.32
